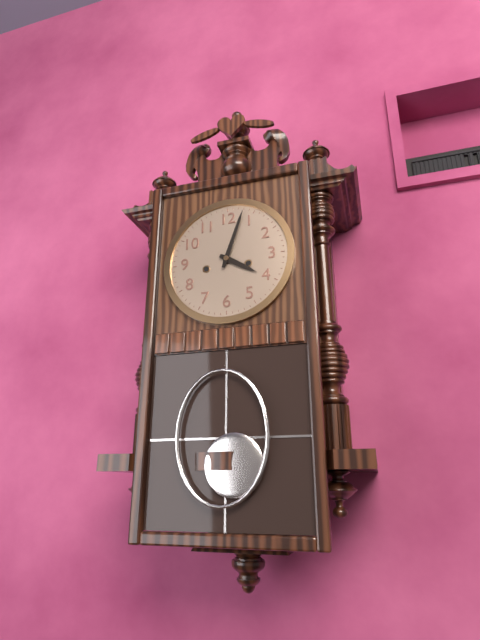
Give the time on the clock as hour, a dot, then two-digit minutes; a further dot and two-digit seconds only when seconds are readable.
4.03
